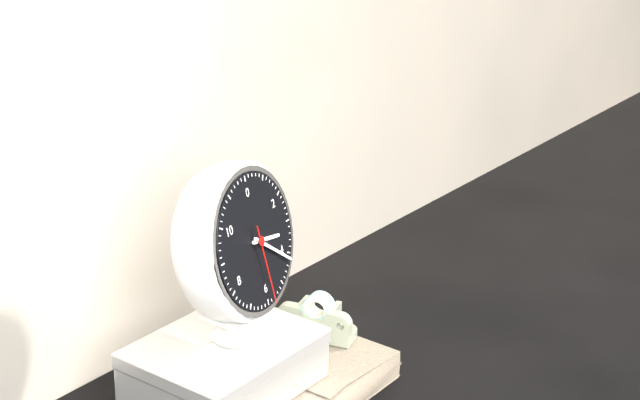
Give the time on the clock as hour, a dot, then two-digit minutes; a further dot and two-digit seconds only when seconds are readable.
3.21.29
